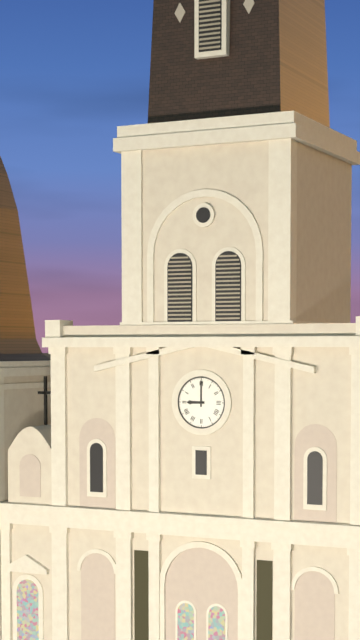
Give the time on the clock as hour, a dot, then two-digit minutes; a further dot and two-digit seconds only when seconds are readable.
9.00
